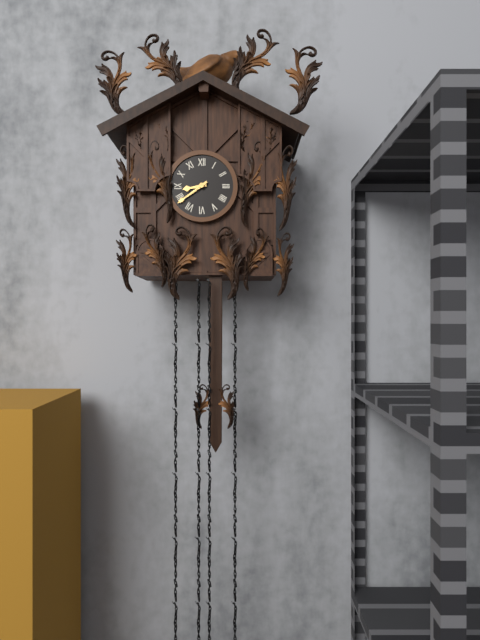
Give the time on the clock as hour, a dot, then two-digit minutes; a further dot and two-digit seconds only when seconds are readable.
8.39
